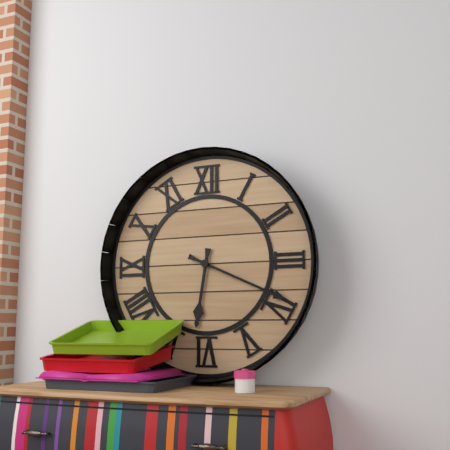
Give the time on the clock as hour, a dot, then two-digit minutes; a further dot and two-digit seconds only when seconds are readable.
6.19
